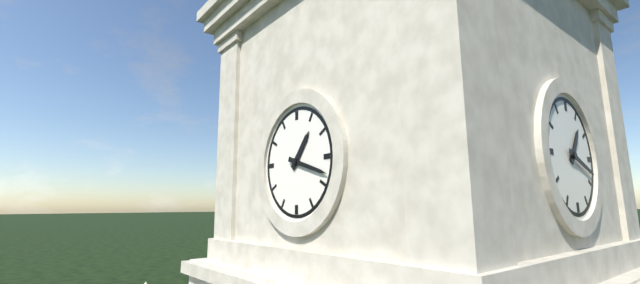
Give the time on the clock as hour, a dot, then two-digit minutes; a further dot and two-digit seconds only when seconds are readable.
1.18
